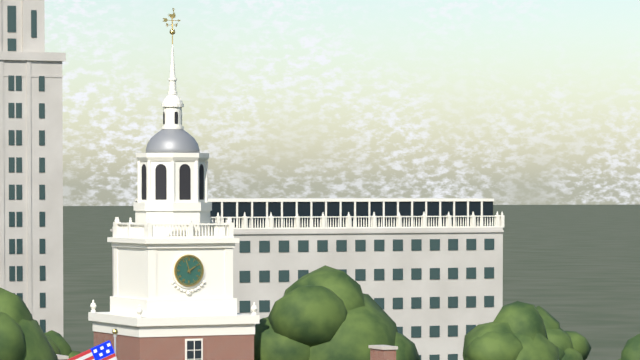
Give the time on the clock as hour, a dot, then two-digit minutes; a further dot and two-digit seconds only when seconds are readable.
1.57
